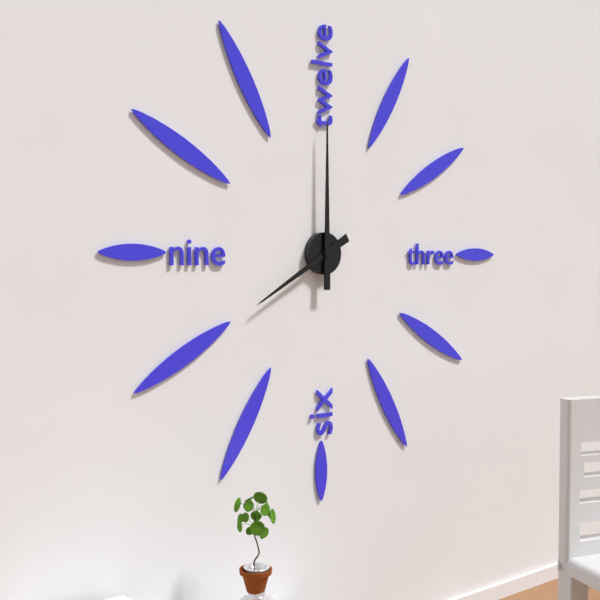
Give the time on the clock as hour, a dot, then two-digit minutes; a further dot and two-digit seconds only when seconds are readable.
8.00
